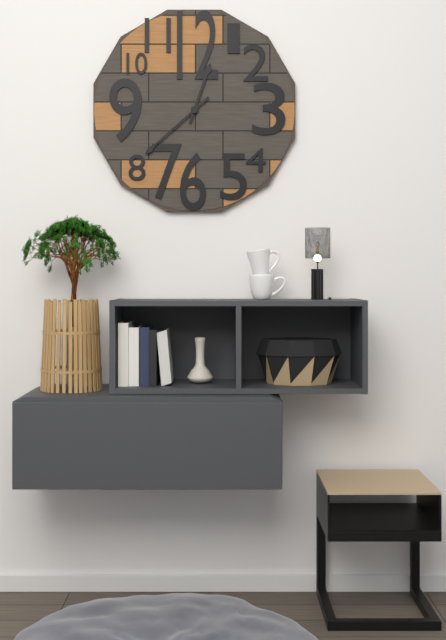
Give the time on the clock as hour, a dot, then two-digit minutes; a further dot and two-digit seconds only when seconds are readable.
12.38
